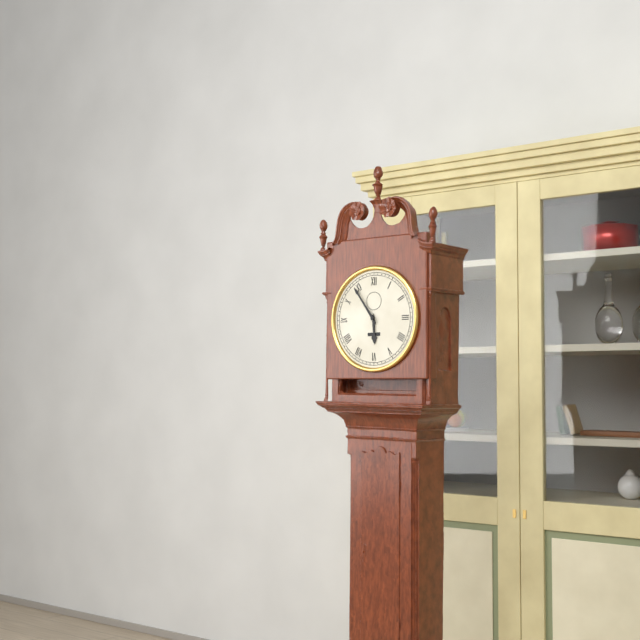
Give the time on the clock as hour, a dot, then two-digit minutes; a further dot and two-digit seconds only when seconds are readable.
5.54
